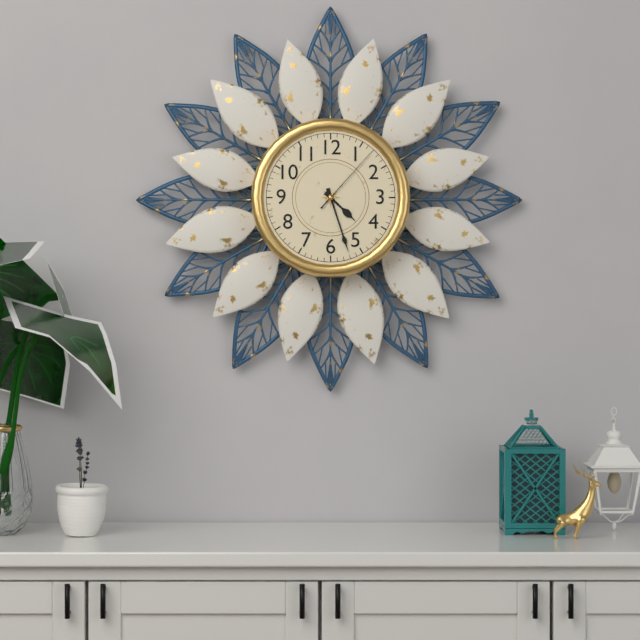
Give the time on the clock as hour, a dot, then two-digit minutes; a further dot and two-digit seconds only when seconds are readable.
4.27.07
